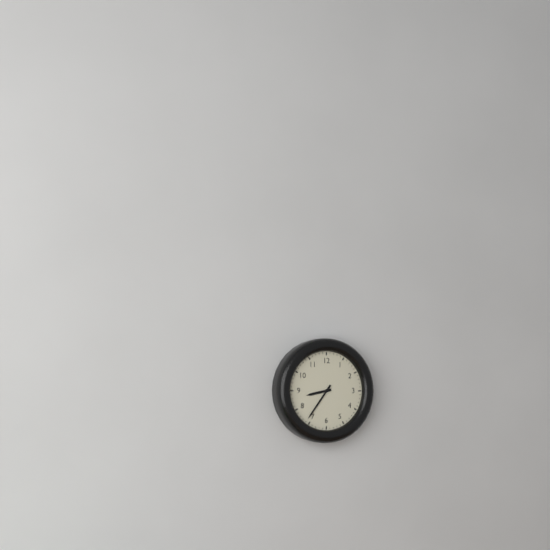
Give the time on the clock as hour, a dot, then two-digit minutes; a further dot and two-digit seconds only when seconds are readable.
8.36
